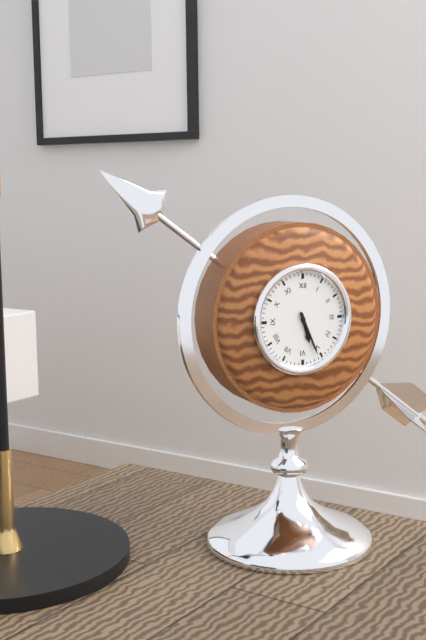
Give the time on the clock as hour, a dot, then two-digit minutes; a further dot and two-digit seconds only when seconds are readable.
5.26
